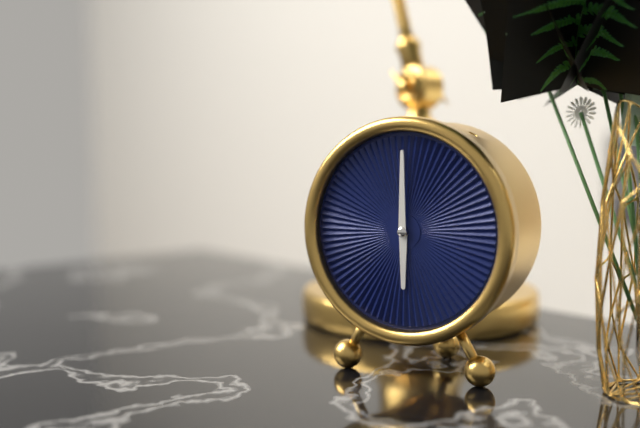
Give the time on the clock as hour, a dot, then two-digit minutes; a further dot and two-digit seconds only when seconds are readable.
6.00
